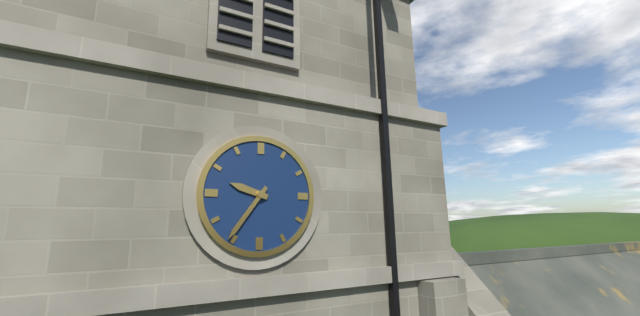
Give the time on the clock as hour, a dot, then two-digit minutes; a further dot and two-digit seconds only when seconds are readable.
9.36
